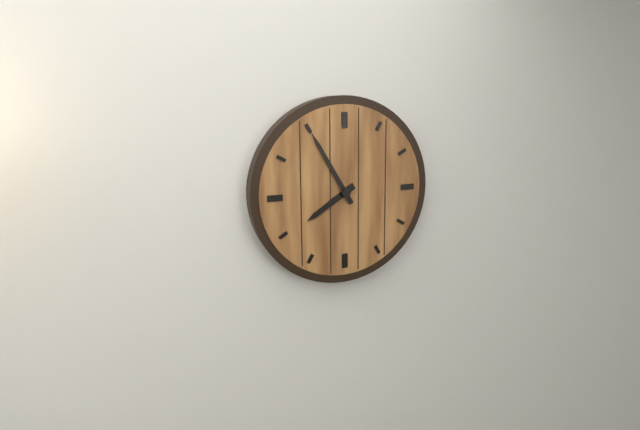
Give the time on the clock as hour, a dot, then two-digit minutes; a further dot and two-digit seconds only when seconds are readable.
7.55
